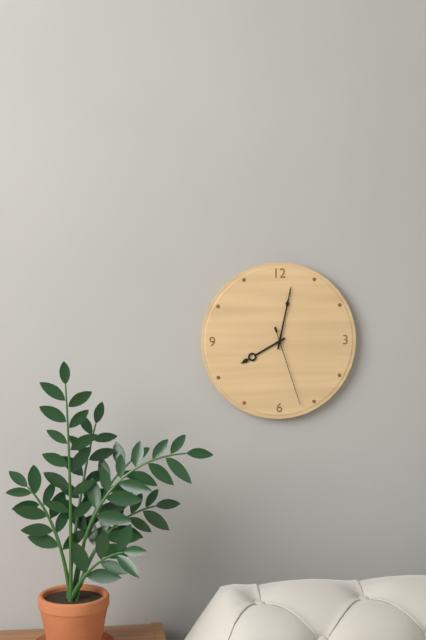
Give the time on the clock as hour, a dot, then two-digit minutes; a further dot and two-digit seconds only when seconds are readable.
8.02.27
